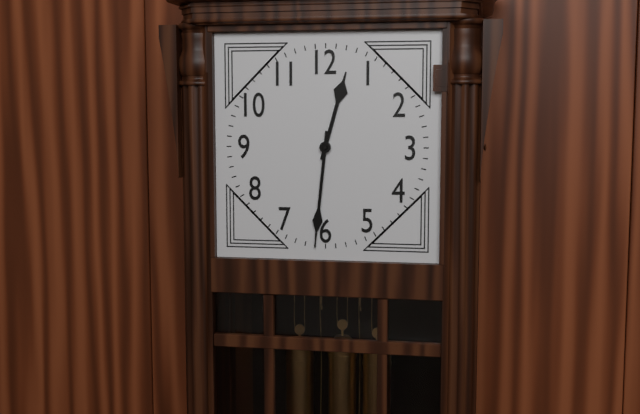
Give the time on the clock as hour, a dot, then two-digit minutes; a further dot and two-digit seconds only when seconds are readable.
12.31
